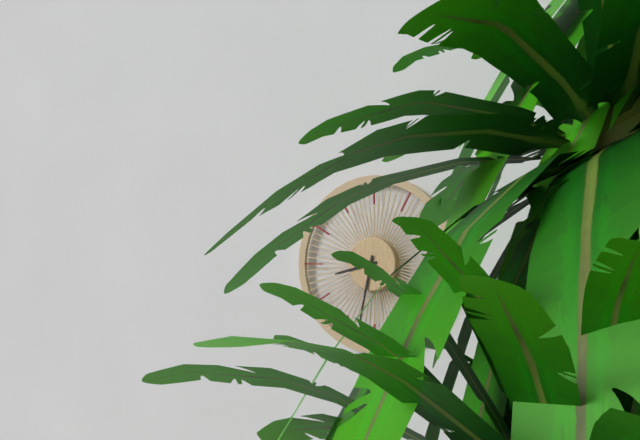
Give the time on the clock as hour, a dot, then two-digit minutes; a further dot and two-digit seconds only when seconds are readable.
8.32
